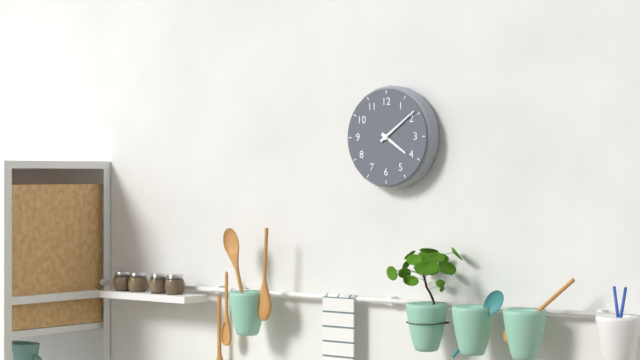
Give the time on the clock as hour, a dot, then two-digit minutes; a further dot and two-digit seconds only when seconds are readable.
4.09
